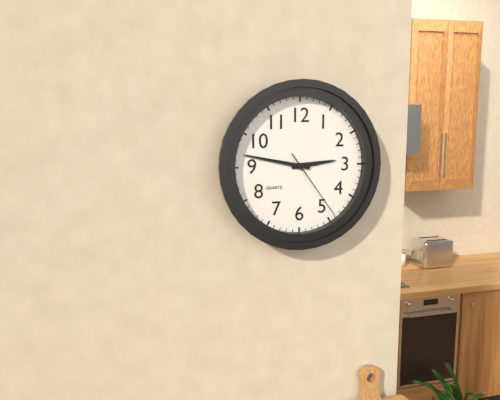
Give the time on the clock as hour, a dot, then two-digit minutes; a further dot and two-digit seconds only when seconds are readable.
2.47.24
